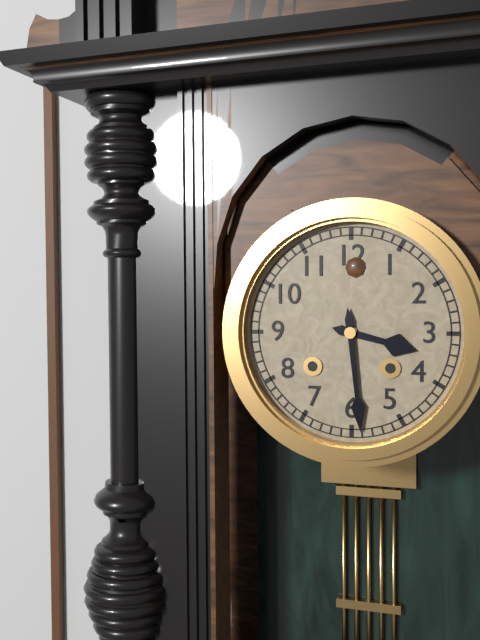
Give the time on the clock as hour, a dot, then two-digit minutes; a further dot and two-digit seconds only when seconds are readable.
3.29
